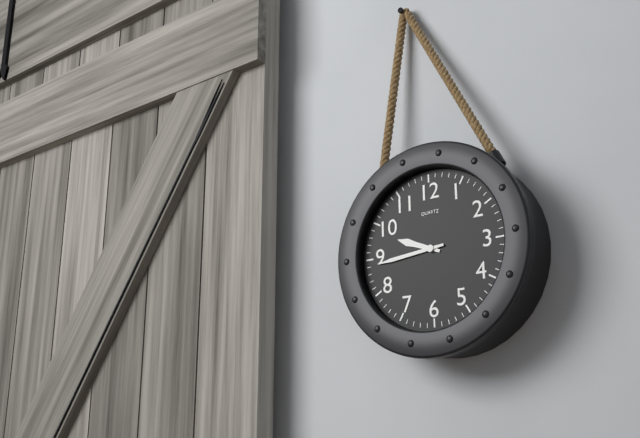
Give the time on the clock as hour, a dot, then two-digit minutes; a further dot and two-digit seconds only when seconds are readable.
9.44
